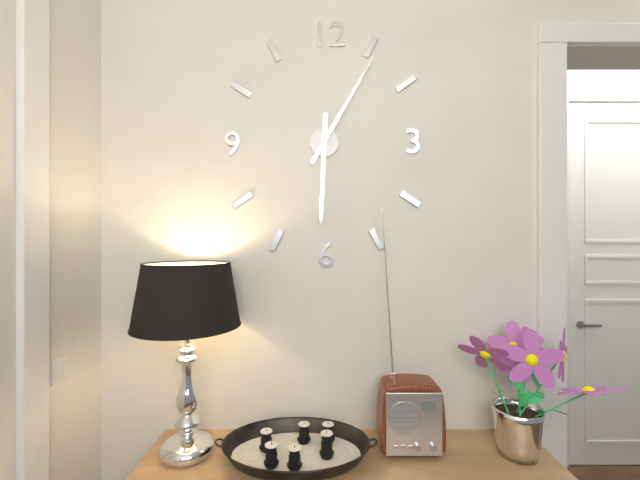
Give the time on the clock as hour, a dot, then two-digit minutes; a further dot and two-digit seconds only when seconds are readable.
6.05
